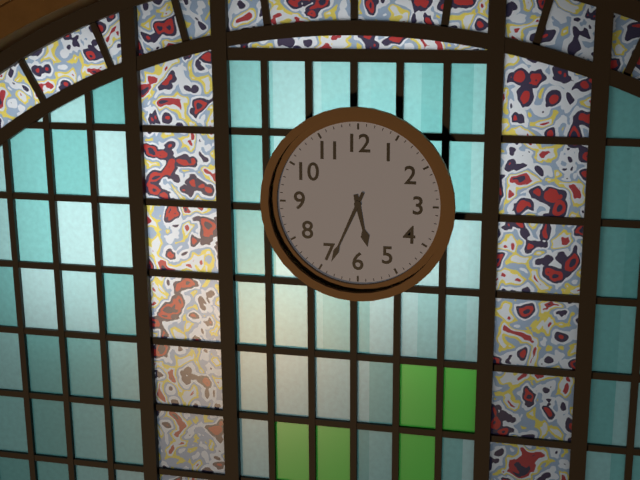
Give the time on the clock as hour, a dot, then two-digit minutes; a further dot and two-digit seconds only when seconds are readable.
5.34
